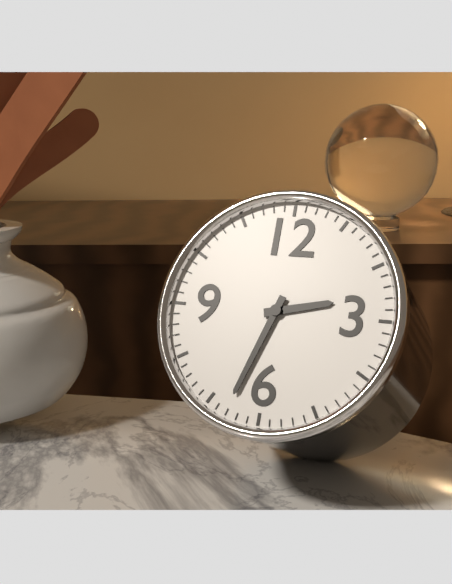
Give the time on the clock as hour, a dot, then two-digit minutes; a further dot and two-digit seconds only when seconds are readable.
2.33
